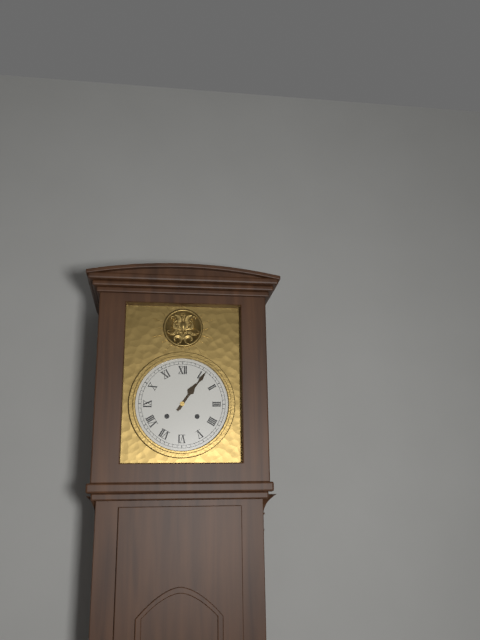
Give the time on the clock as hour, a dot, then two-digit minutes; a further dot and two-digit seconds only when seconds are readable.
1.06
